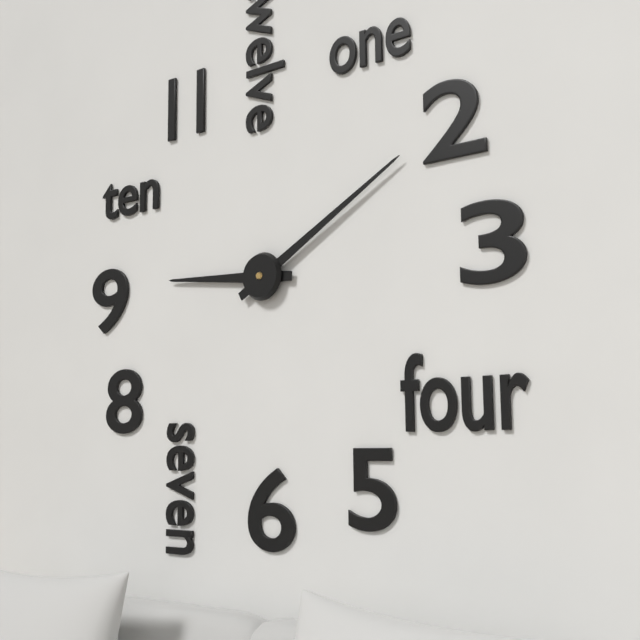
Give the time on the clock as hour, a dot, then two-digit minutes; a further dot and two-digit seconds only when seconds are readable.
9.10
